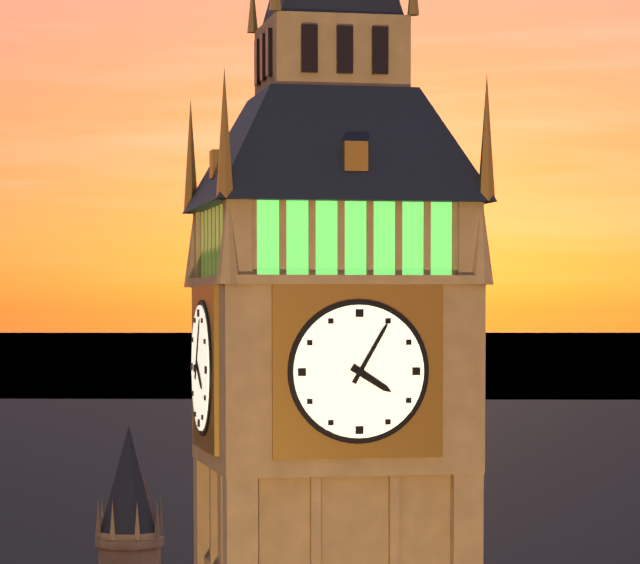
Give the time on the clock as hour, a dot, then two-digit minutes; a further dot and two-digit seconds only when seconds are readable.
4.05
